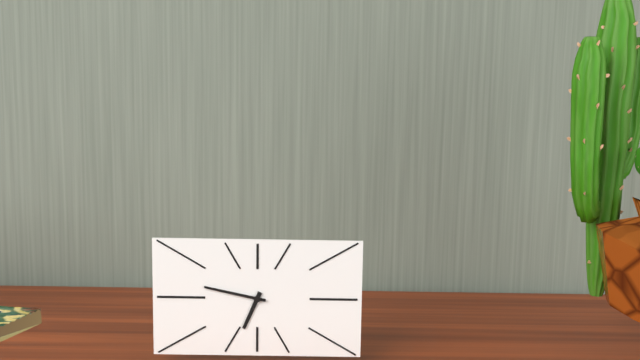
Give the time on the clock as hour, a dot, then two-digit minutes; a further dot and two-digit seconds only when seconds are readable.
6.47
